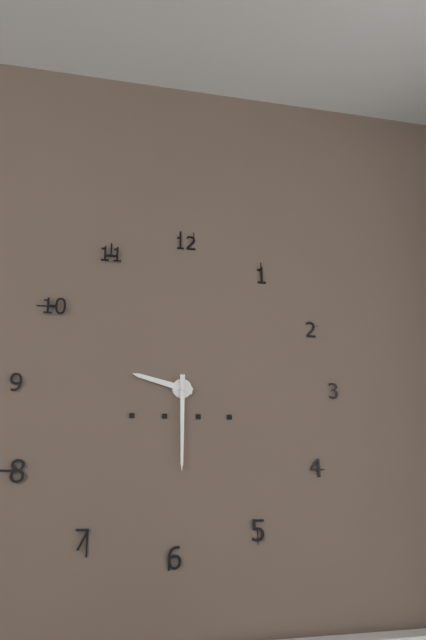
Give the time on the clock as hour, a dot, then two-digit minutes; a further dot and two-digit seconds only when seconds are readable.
9.30
